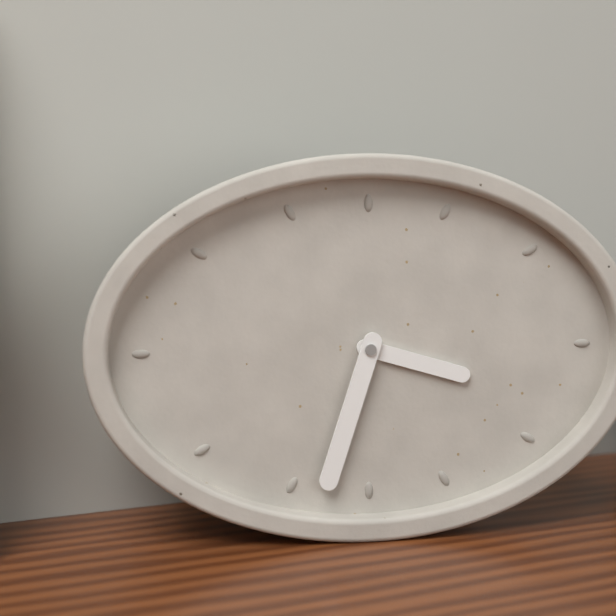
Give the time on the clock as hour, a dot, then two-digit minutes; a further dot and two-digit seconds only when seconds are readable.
3.33
